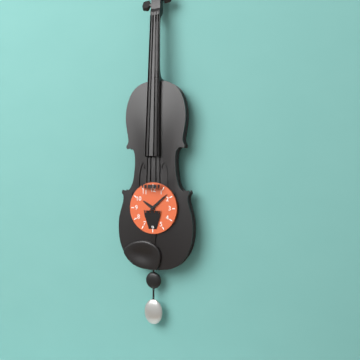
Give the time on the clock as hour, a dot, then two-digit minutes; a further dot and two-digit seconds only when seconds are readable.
10.08
